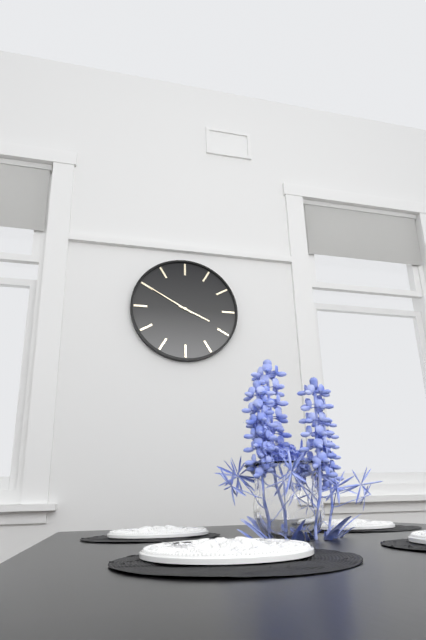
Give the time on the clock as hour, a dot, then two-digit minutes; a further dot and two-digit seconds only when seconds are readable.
3.50
